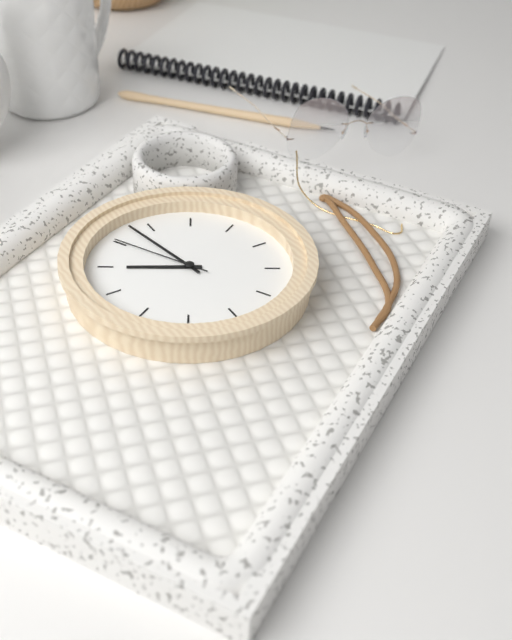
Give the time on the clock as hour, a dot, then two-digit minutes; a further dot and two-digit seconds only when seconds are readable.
9.58.55
